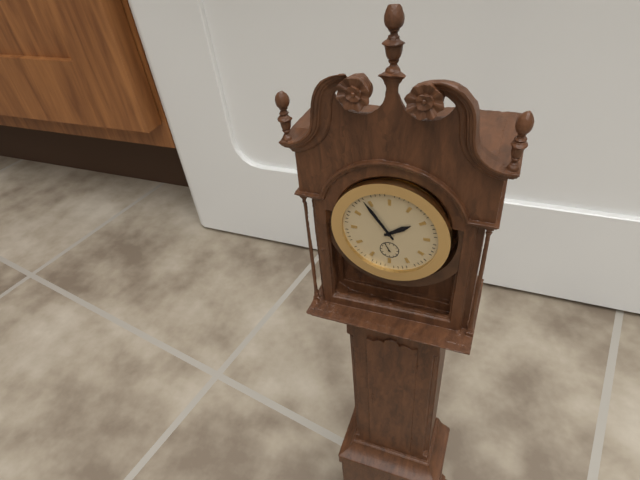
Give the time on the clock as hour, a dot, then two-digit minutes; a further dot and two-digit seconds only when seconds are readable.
1.54
